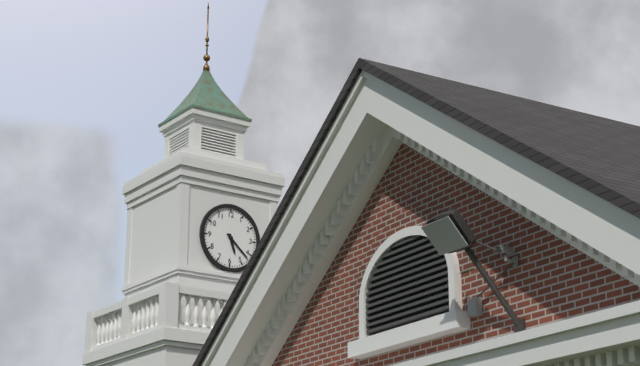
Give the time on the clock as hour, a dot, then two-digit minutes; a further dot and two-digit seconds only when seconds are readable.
5.22
